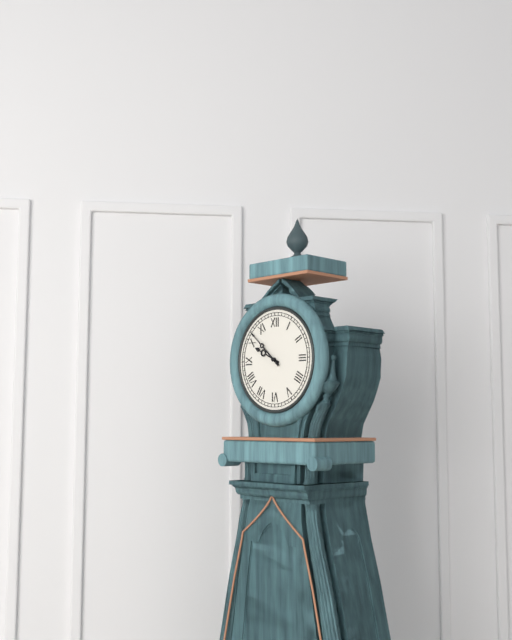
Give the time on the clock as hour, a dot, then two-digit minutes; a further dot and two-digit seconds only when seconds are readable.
9.52
